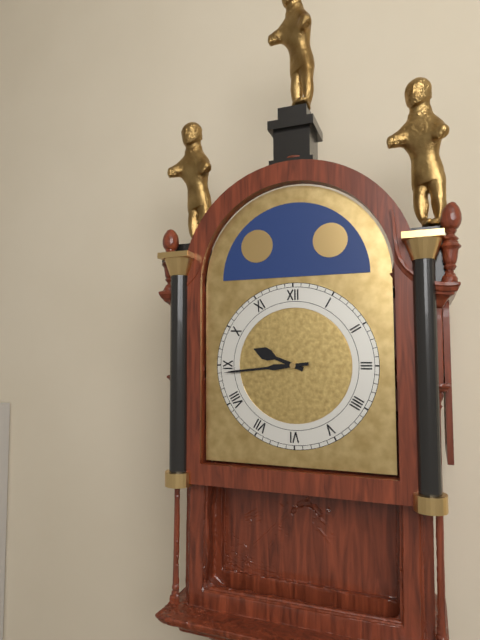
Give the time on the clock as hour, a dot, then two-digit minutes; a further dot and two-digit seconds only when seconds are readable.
9.44
